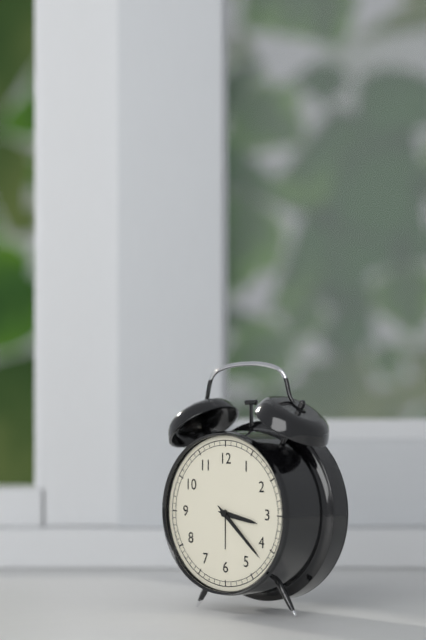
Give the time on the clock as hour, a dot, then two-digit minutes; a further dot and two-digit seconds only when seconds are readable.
3.22
